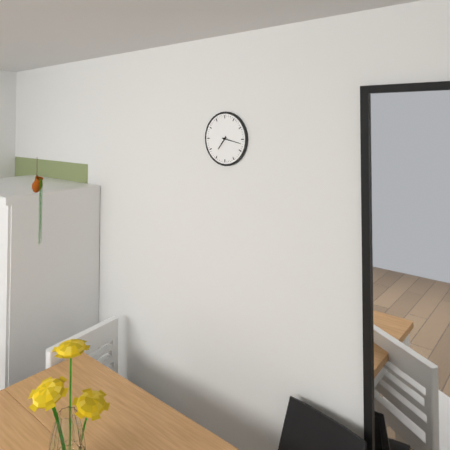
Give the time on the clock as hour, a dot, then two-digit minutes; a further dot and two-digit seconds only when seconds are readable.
7.17
